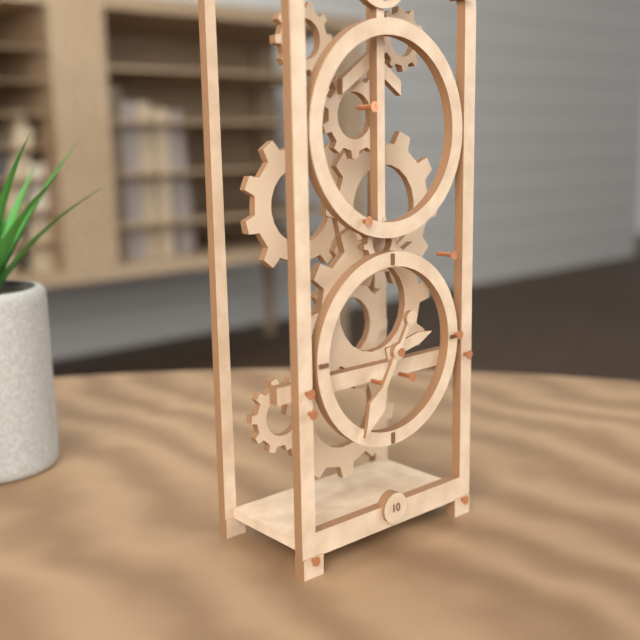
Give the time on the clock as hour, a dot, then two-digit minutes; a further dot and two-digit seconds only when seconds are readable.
2.35
